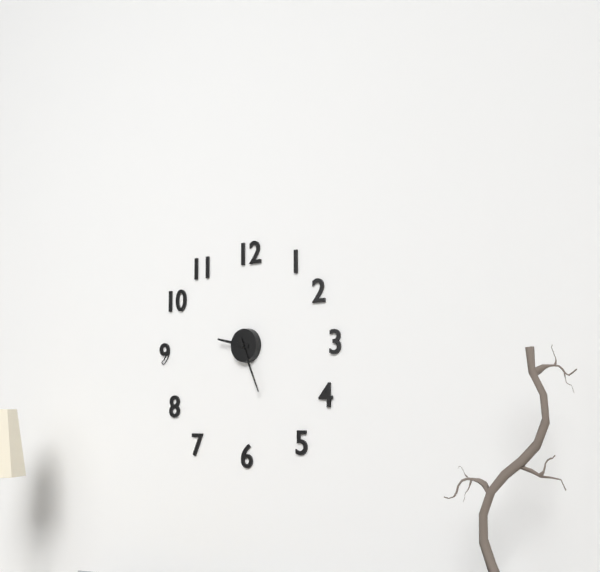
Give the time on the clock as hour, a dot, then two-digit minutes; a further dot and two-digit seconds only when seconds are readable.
9.26
